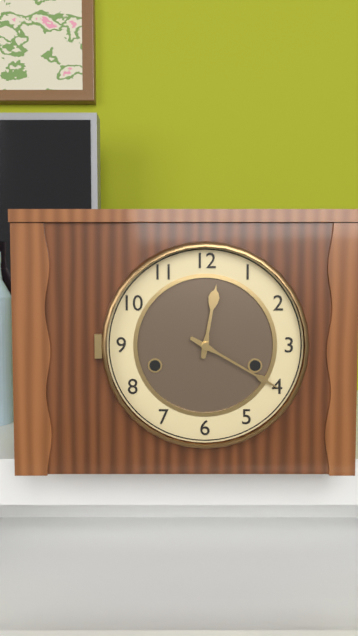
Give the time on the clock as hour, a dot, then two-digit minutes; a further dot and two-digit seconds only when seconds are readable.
12.20
